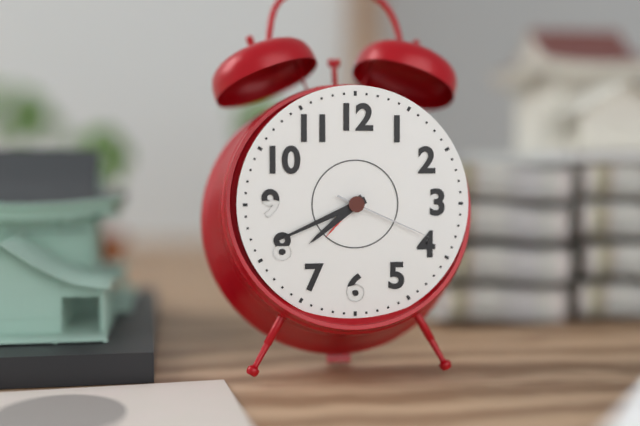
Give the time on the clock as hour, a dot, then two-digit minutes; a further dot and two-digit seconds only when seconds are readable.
7.41.19
